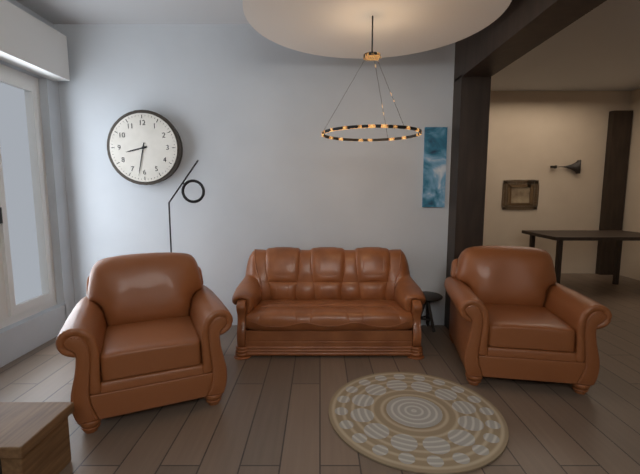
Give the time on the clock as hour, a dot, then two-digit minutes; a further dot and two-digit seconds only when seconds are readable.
8.32
